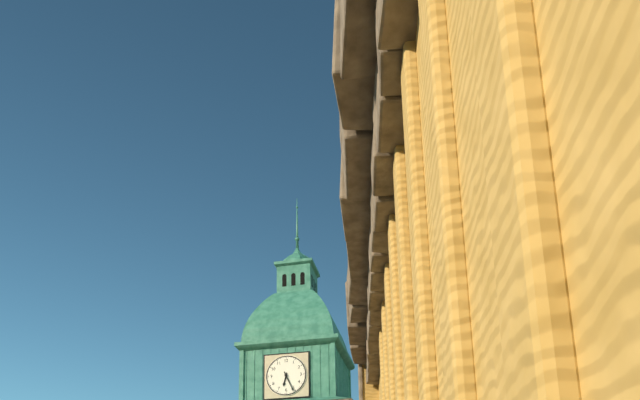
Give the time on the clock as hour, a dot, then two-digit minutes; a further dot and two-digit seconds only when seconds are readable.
6.26
